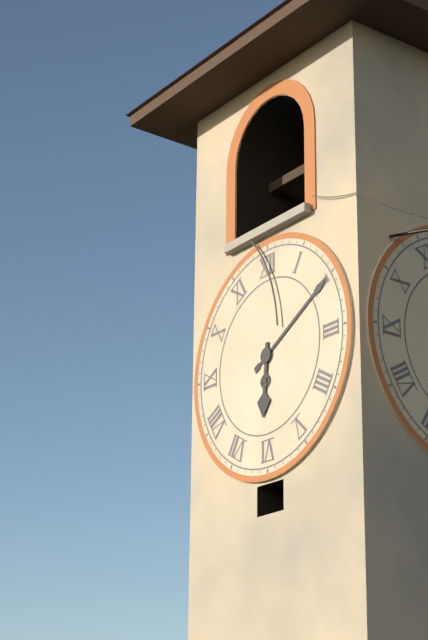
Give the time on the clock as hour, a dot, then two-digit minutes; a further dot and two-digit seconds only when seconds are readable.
6.10
